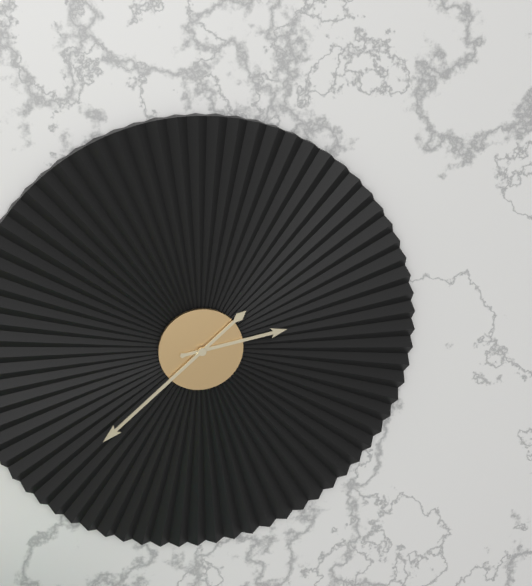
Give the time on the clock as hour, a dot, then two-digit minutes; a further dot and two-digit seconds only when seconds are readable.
2.38
